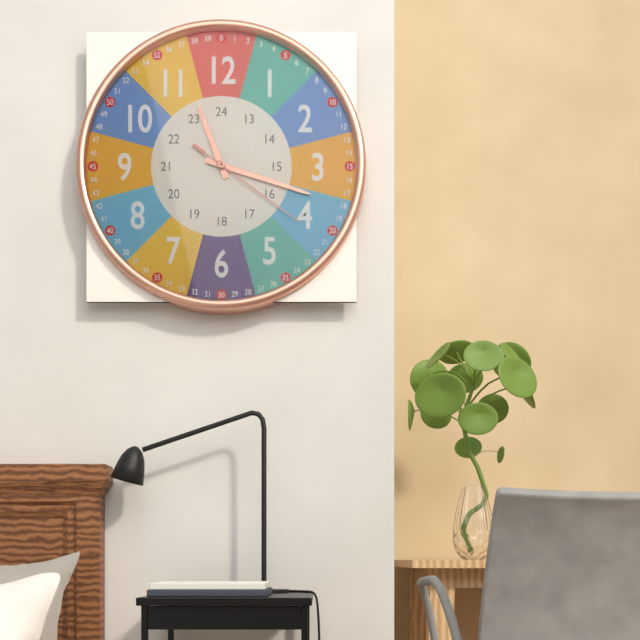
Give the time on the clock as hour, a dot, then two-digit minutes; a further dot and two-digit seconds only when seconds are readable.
11.18.21
